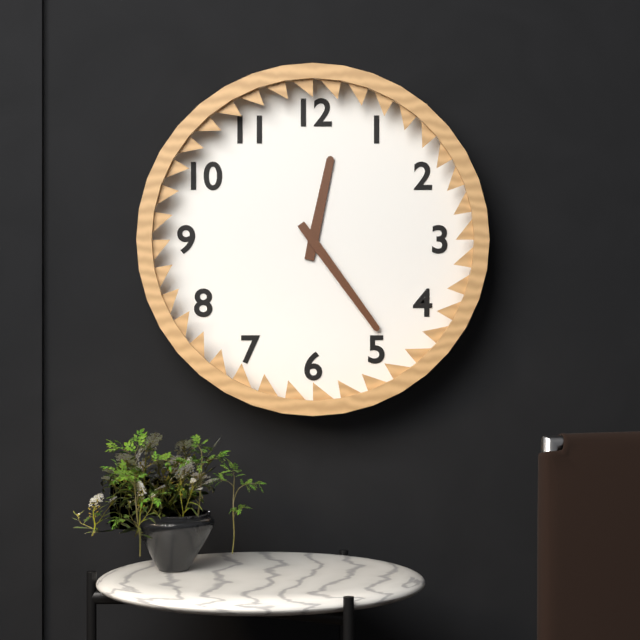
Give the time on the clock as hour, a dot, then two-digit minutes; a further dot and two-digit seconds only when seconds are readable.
12.24
